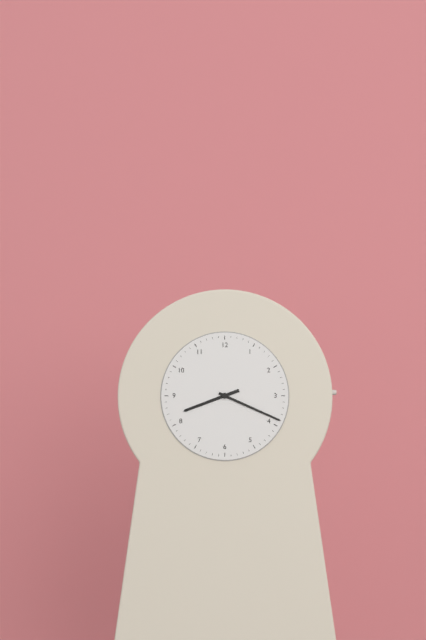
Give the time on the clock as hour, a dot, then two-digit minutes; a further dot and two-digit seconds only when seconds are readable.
8.19
